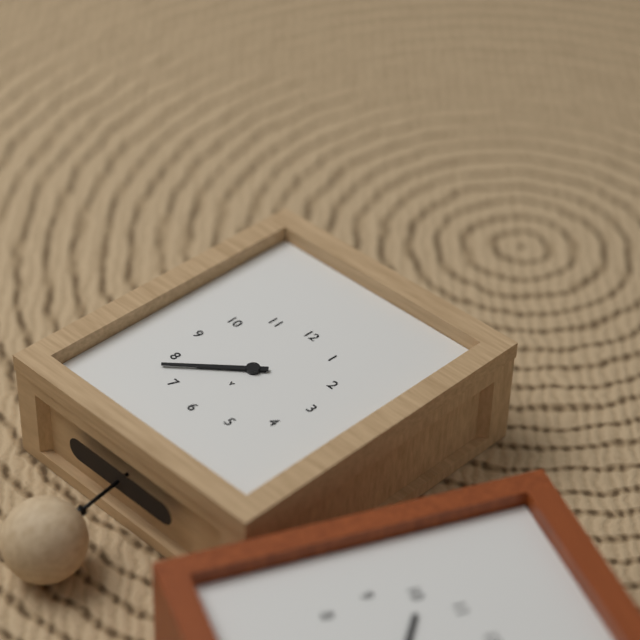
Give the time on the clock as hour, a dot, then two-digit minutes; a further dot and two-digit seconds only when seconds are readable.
7.38
